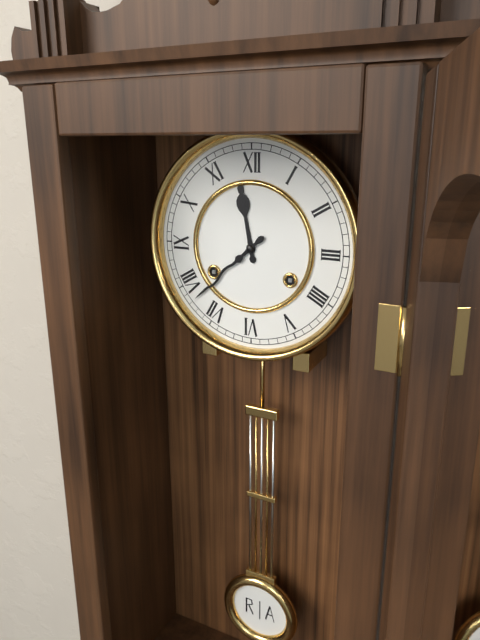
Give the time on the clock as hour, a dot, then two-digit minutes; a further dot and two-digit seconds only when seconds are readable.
11.38
